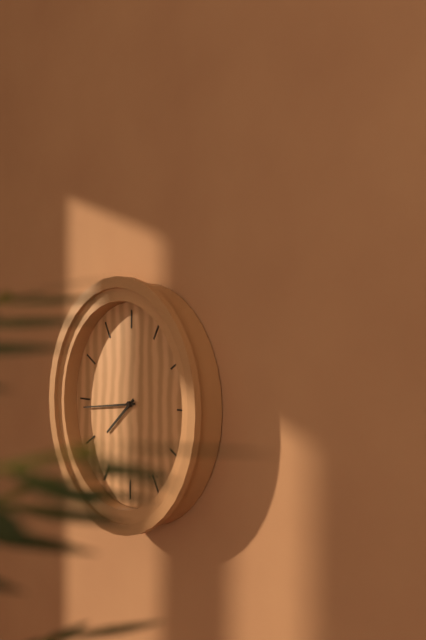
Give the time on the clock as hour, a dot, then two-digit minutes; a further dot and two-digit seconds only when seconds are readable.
7.44
